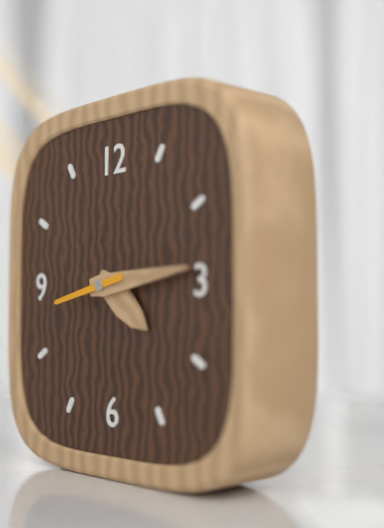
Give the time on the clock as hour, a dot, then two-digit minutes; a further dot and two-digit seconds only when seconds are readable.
4.14.43
